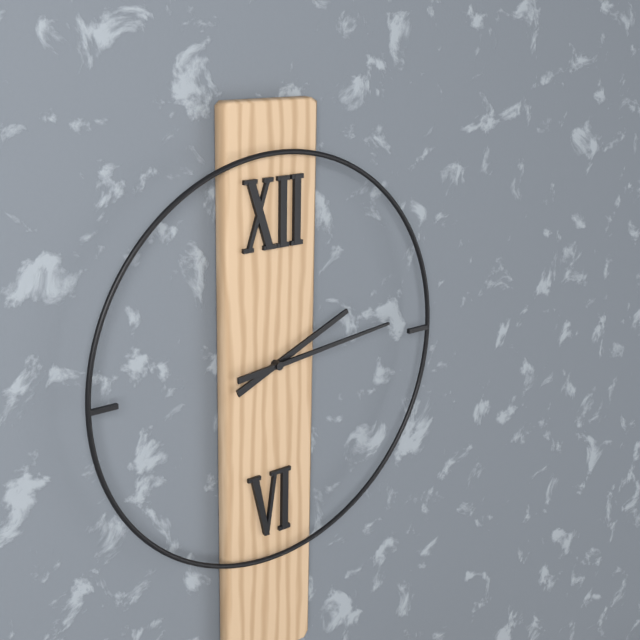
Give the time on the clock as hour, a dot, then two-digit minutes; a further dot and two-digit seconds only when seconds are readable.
2.14
